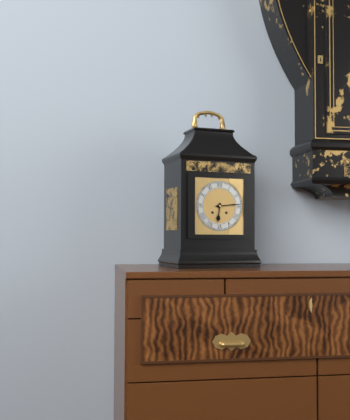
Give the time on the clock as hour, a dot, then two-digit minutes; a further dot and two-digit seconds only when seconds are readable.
6.14
